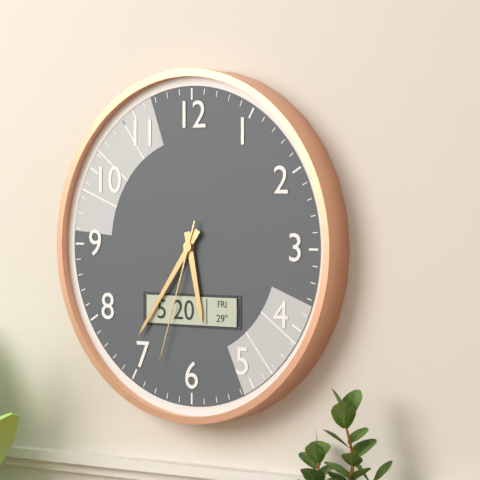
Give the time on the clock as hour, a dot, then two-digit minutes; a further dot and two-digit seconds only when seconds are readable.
5.36.33
